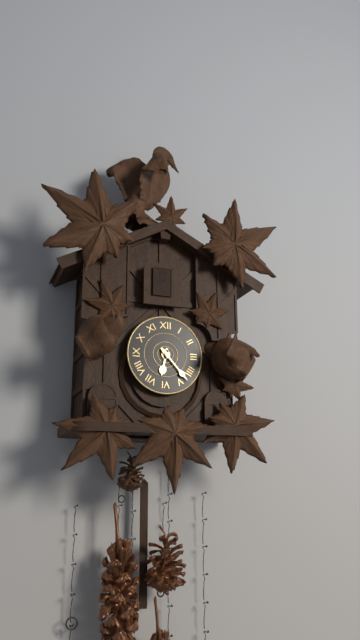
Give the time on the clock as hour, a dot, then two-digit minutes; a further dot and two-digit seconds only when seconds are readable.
6.23
